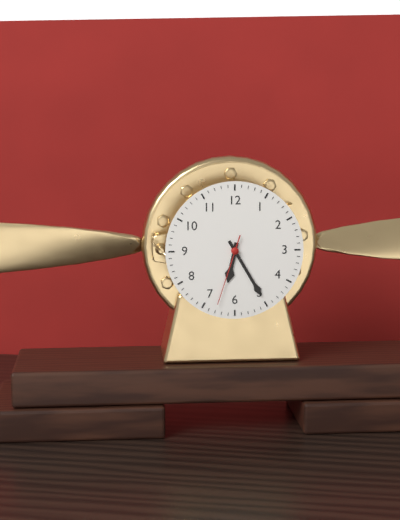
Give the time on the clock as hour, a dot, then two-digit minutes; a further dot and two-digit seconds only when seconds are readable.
6.25.33
